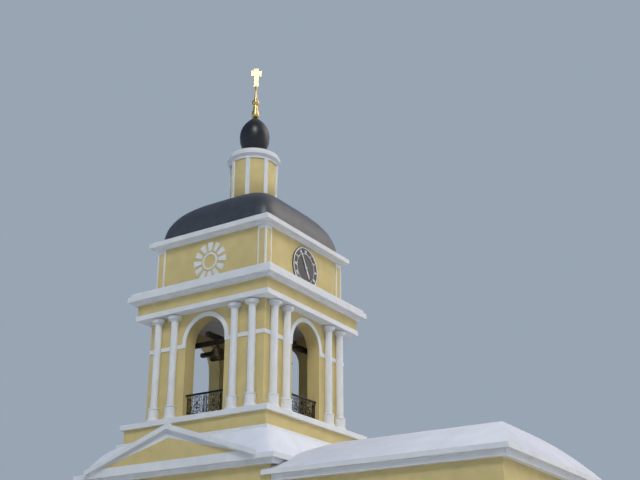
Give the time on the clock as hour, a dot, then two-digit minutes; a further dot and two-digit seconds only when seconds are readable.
4.55
